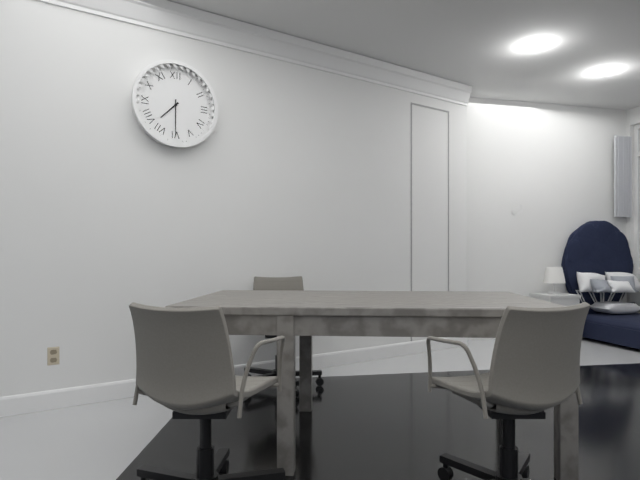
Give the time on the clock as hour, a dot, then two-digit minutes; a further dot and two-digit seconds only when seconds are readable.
7.30
